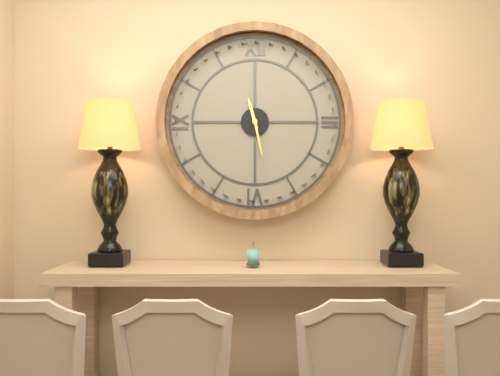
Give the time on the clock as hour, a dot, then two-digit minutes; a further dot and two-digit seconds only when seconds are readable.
11.28
